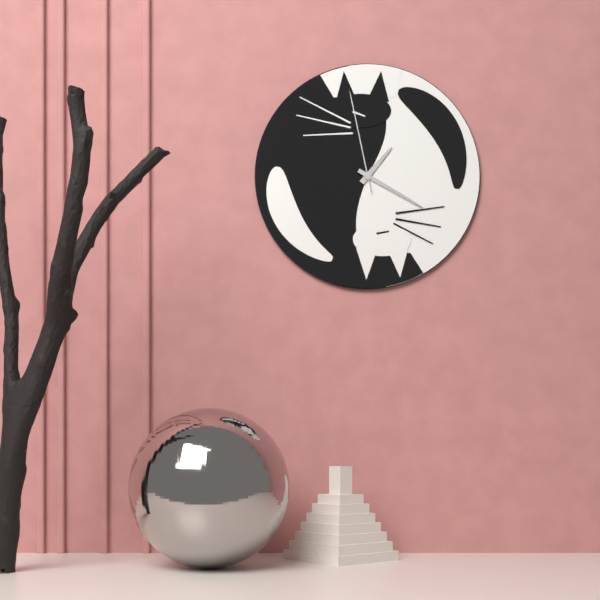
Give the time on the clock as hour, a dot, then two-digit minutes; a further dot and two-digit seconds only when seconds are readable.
1.20.58
